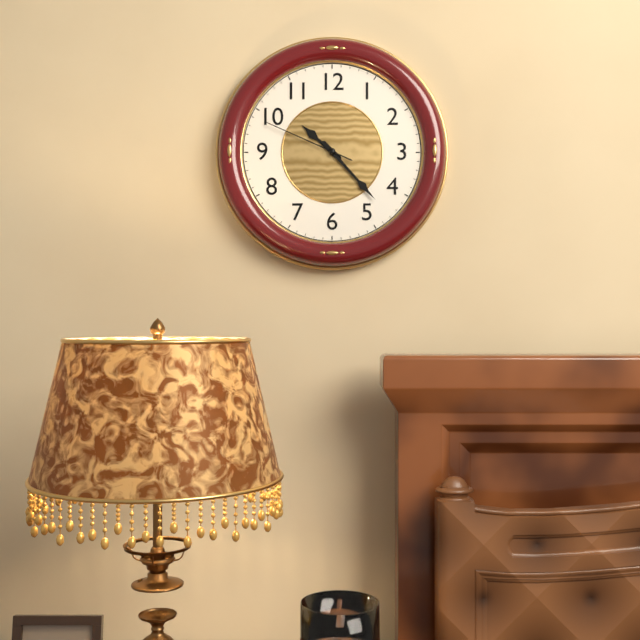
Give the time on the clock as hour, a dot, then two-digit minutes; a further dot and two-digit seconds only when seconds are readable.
10.23.49
